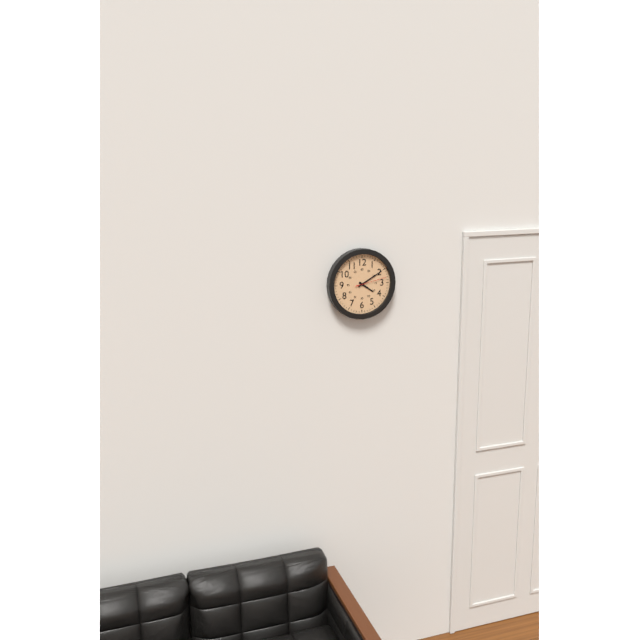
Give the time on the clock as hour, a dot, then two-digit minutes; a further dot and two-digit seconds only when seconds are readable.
4.10
